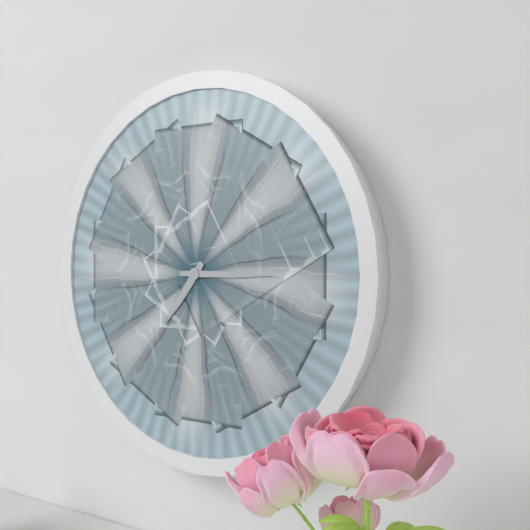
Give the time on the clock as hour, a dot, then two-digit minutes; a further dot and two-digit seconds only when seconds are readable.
7.15
